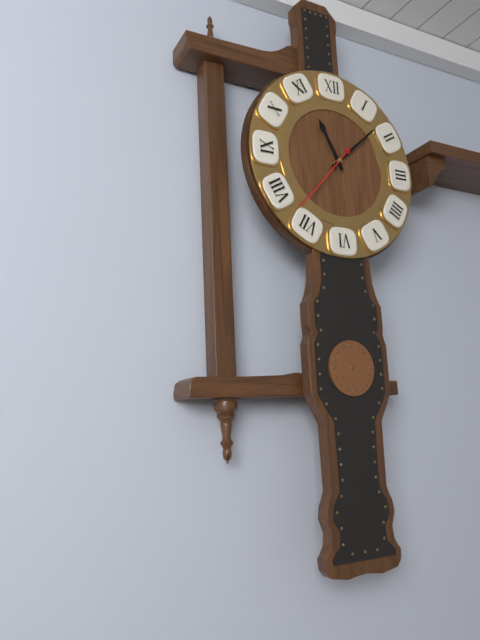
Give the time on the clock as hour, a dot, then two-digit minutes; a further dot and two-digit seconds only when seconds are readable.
11.08.37
